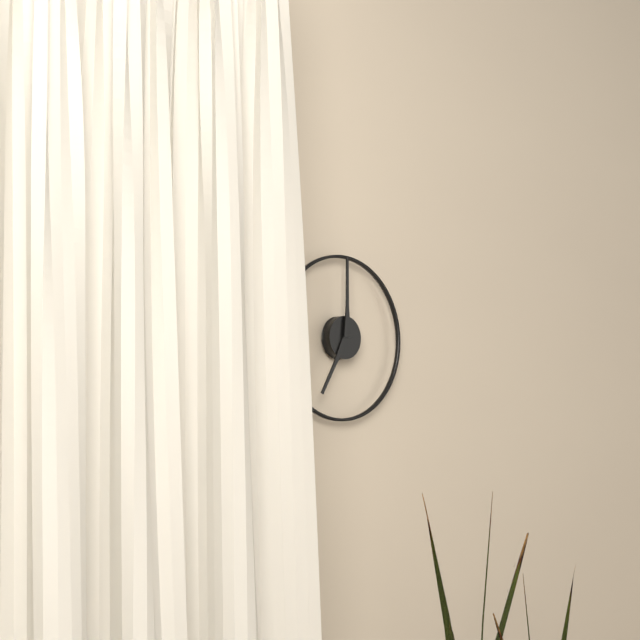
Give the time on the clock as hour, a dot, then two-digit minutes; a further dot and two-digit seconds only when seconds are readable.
7.00
